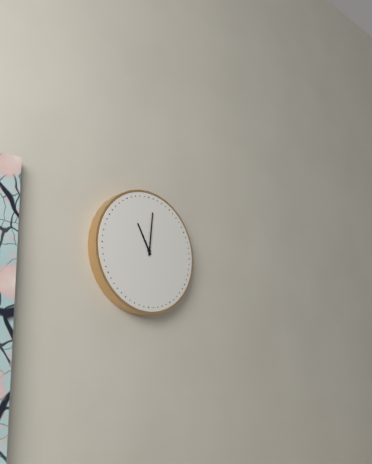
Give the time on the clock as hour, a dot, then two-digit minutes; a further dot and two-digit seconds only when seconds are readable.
11.01
